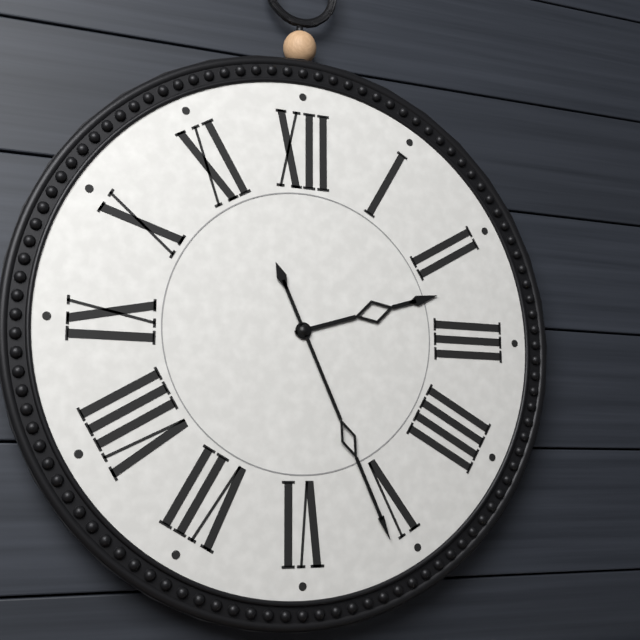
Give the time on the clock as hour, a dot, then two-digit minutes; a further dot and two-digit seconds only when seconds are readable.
2.26
